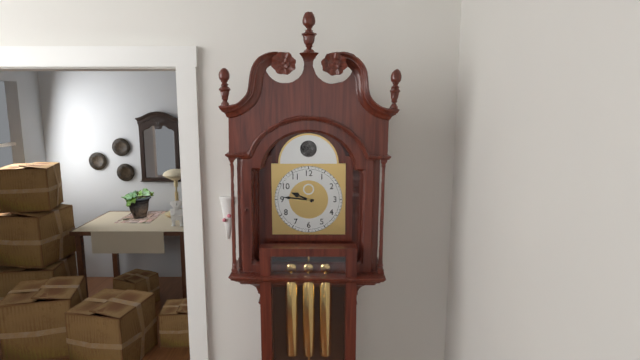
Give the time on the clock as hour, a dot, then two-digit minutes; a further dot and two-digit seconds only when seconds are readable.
9.46
